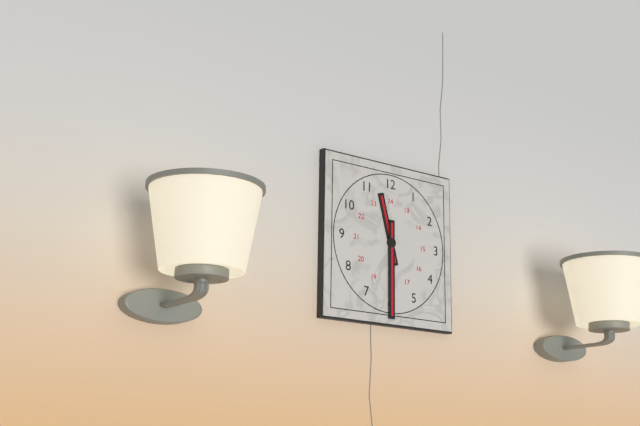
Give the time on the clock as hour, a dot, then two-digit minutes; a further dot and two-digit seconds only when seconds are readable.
11.30
